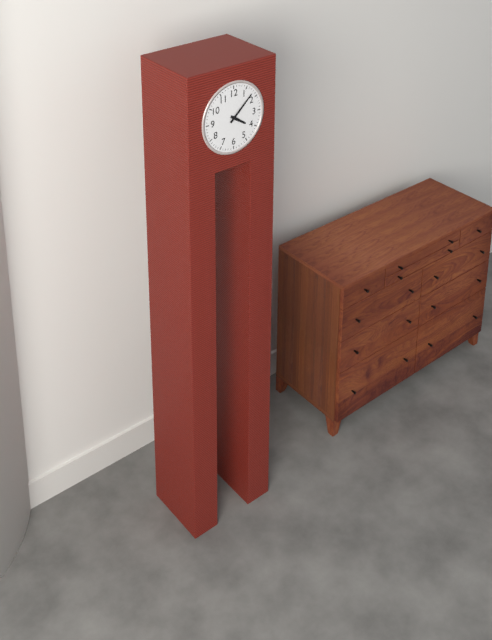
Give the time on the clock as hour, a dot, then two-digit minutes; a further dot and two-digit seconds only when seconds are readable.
4.08
